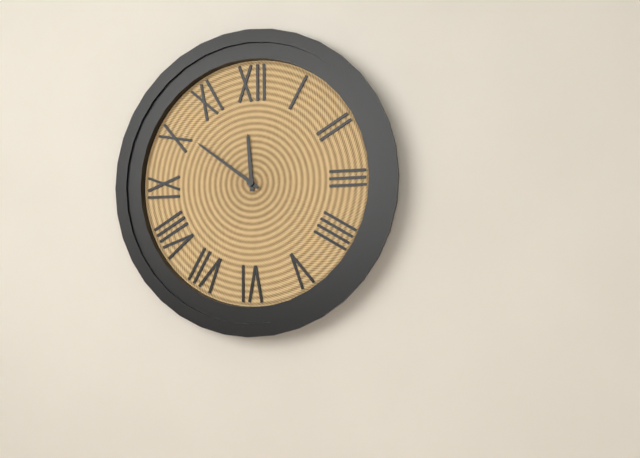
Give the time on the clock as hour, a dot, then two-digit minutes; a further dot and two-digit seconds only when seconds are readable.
11.51
